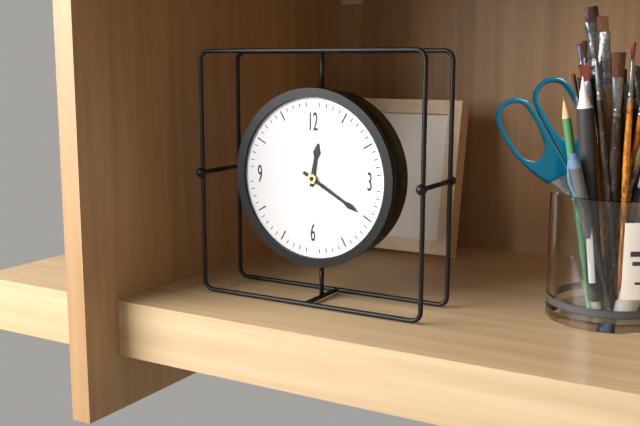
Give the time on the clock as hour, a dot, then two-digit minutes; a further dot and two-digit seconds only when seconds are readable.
12.20
